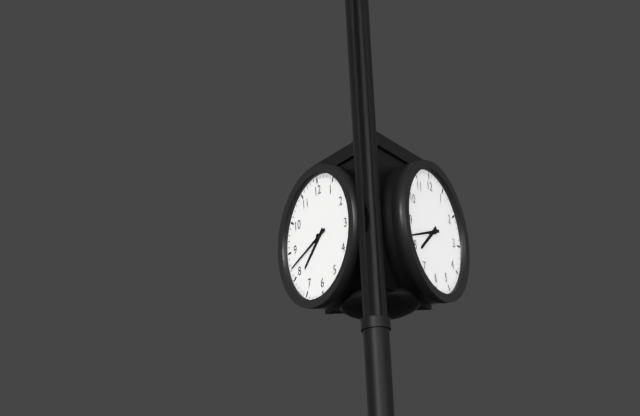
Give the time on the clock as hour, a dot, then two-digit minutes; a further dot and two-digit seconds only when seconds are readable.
7.42
